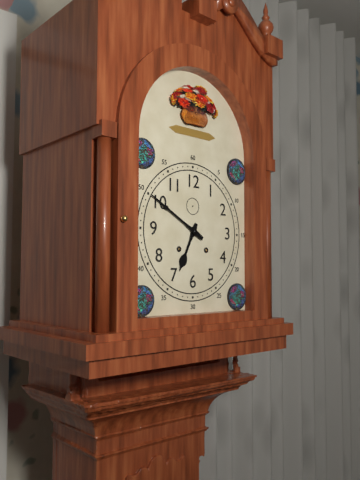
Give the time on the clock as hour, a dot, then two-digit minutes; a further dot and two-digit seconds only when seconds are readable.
6.50
